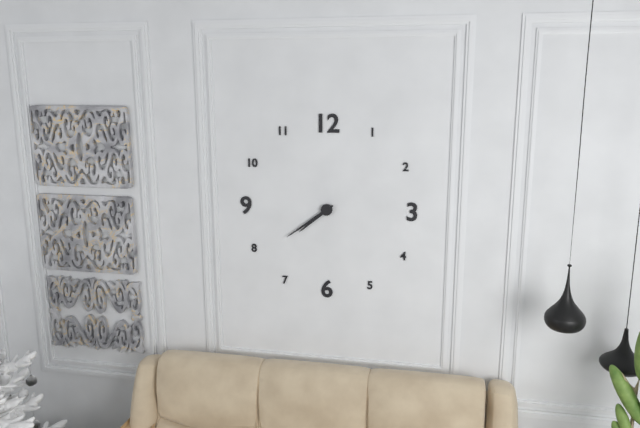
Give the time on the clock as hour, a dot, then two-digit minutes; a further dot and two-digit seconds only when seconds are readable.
7.39
